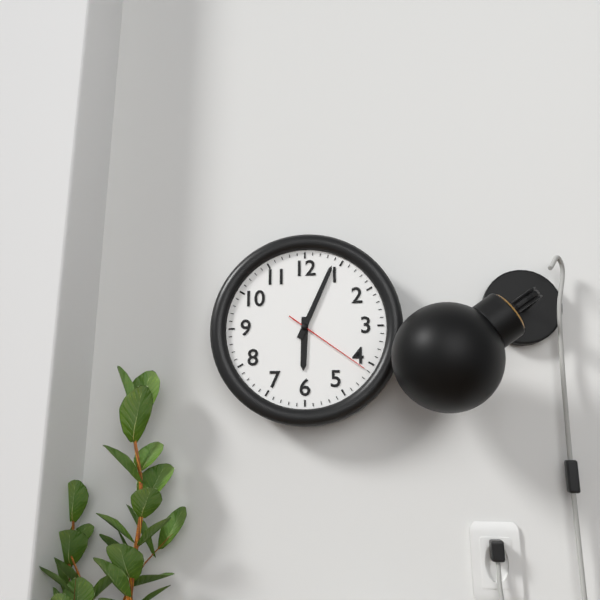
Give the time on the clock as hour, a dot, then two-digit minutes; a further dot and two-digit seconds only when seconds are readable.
6.04.21
